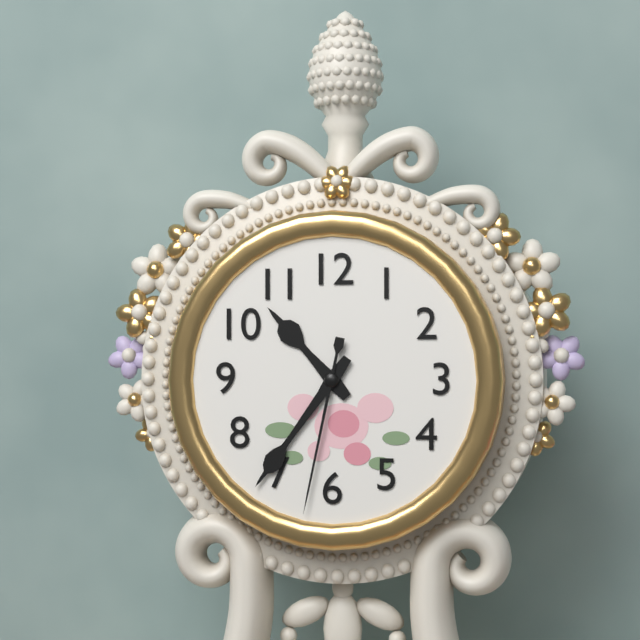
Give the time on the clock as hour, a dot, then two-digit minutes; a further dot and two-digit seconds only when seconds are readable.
10.36.32
